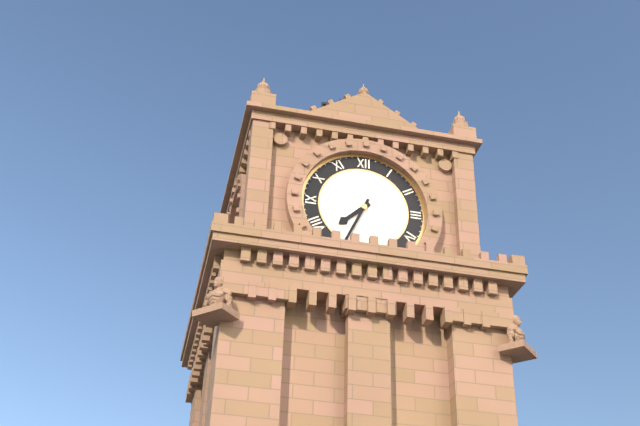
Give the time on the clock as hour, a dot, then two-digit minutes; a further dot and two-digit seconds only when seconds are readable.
7.34
